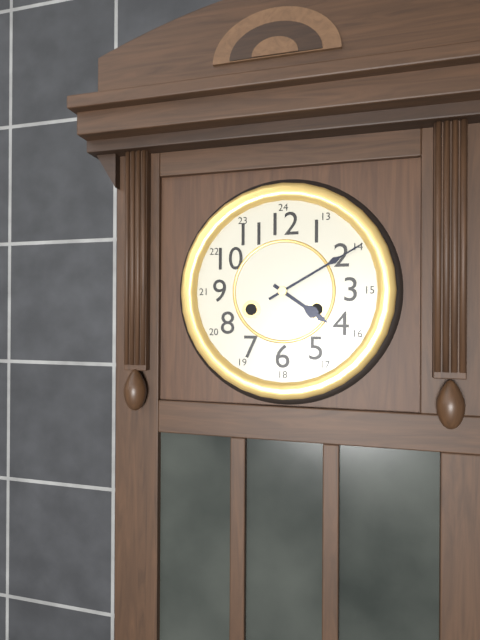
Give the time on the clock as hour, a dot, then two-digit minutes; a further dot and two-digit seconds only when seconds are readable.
4.10
